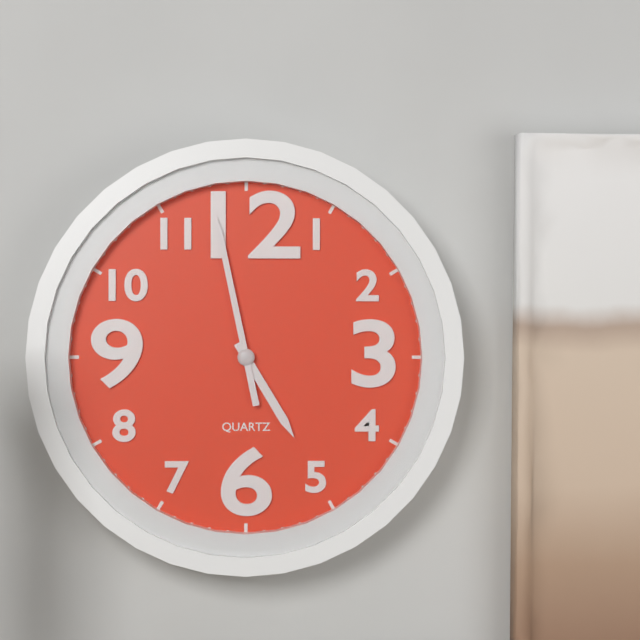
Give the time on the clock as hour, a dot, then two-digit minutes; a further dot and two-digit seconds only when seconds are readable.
4.58
